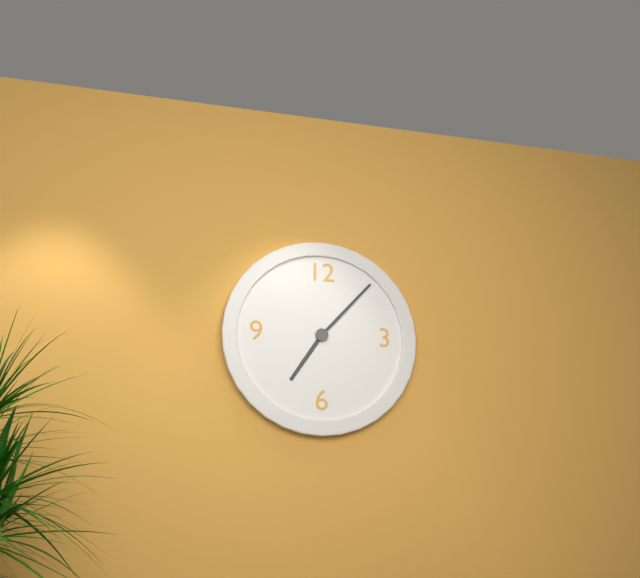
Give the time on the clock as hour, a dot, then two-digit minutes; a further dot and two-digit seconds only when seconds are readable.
7.07
